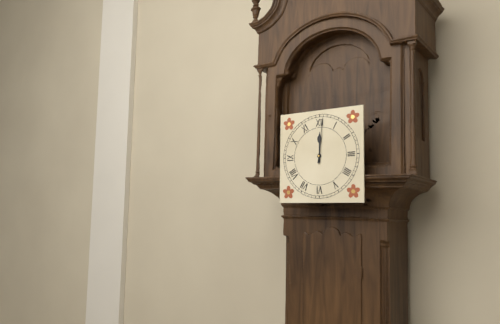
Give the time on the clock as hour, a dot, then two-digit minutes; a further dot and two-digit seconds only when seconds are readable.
12.01
